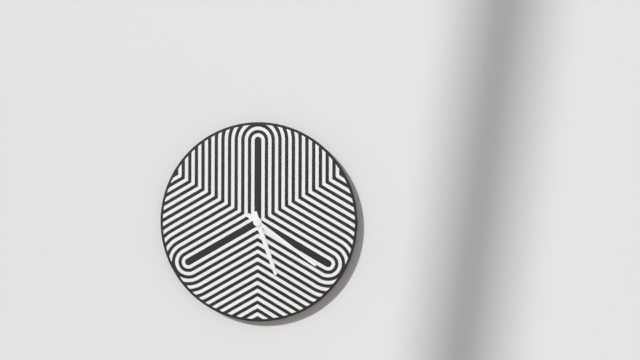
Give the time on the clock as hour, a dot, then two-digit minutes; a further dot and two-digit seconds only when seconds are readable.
5.21
